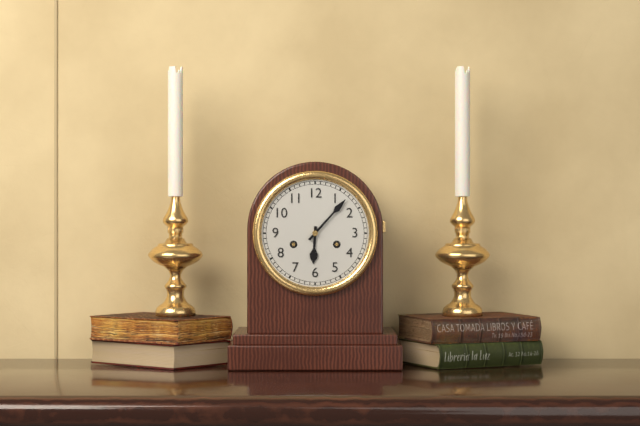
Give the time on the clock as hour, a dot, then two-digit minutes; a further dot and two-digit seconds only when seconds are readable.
6.07
